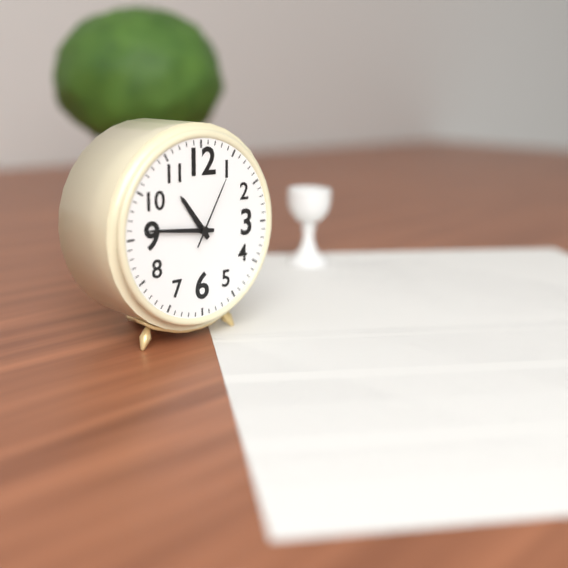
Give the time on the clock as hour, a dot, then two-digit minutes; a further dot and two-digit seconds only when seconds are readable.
10.46.05
